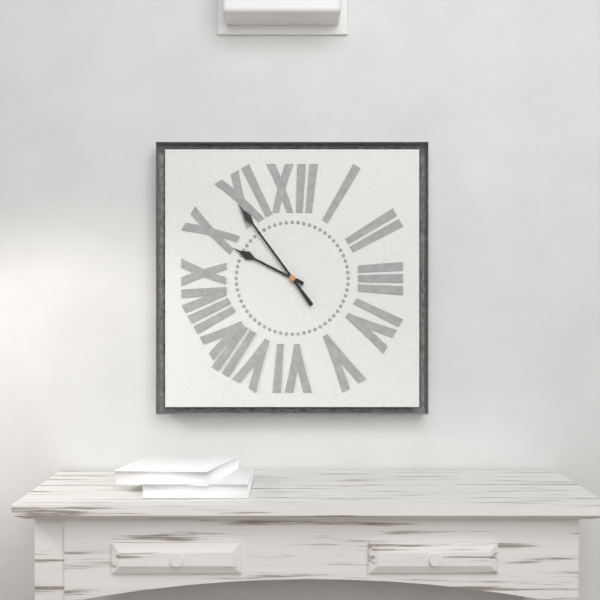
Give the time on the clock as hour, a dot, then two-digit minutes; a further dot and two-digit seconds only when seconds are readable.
9.54
